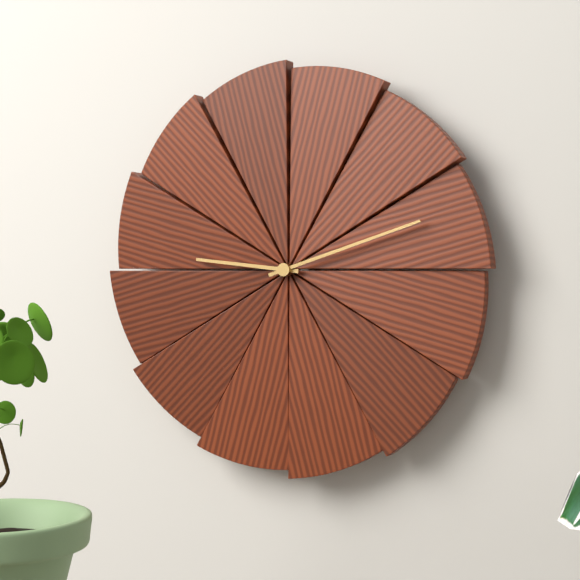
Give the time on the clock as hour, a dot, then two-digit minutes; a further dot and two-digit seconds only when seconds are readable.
9.12
